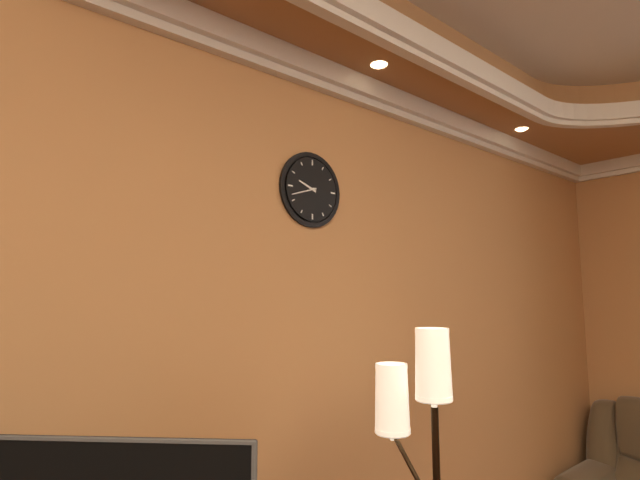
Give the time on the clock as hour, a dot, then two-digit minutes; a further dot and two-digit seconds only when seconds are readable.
9.42
